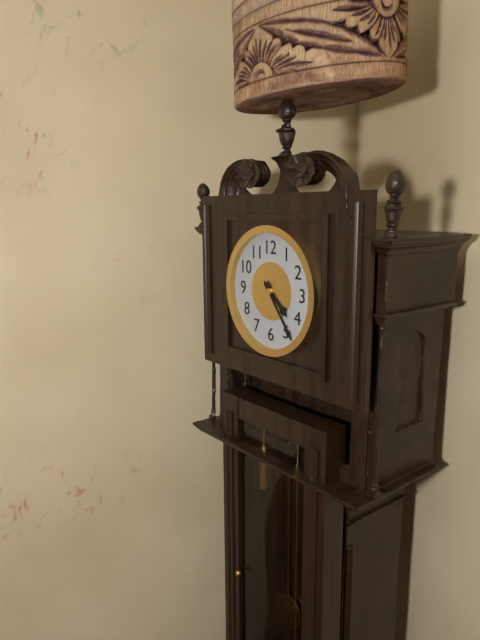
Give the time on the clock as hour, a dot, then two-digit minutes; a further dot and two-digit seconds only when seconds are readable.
4.24
